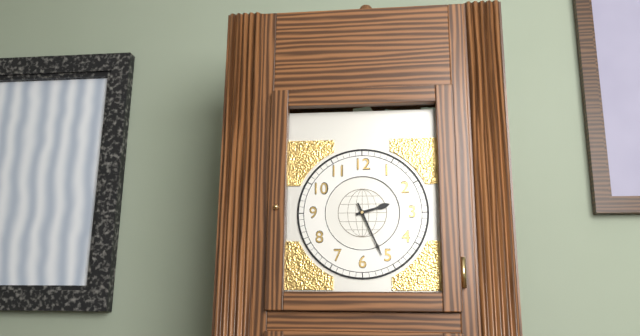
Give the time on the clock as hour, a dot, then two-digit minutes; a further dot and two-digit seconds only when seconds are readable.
2.26
